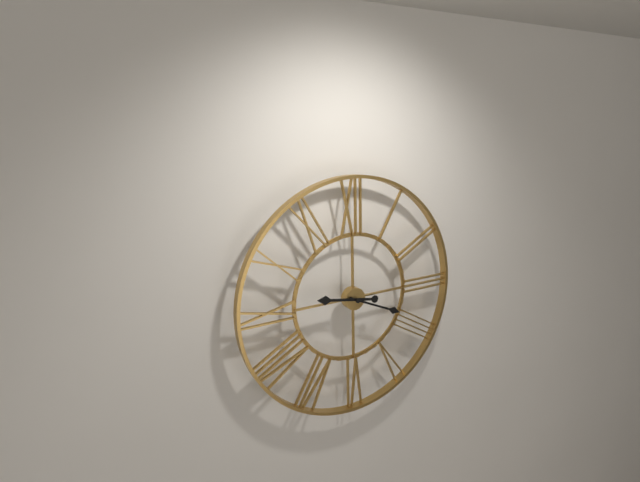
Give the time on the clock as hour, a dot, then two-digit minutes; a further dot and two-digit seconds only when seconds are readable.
9.19
